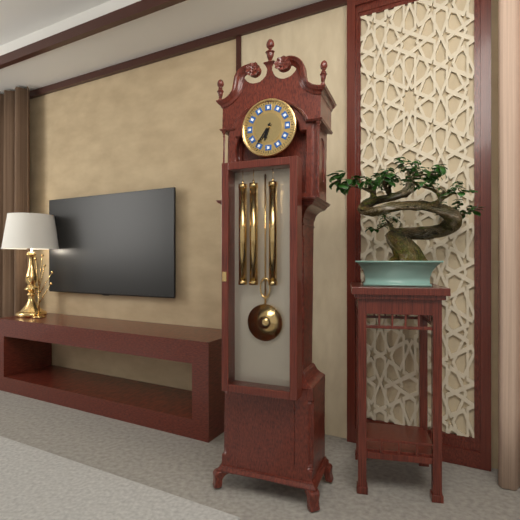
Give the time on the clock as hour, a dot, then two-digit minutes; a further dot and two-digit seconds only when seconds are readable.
6.36
